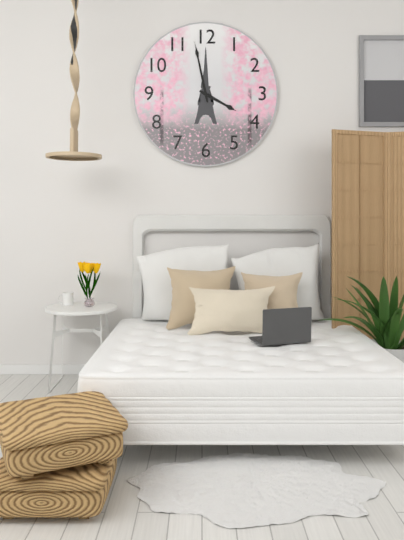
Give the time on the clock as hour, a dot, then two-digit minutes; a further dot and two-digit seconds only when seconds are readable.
3.58
